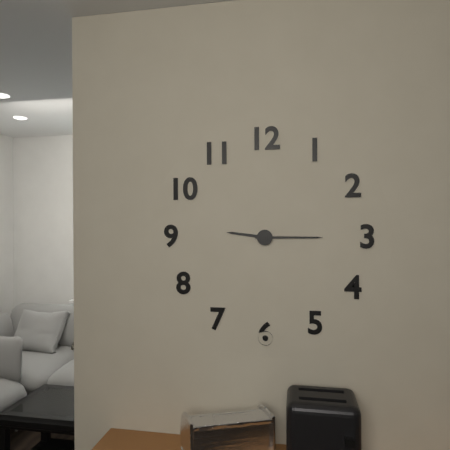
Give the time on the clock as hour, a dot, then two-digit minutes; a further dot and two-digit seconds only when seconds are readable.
9.15
